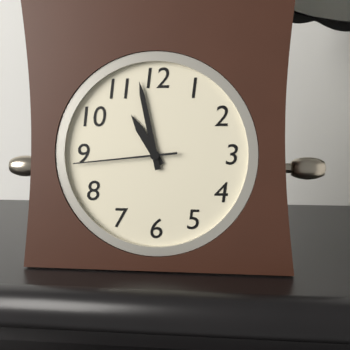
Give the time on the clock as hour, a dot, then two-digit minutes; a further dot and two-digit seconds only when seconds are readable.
10.58.44
